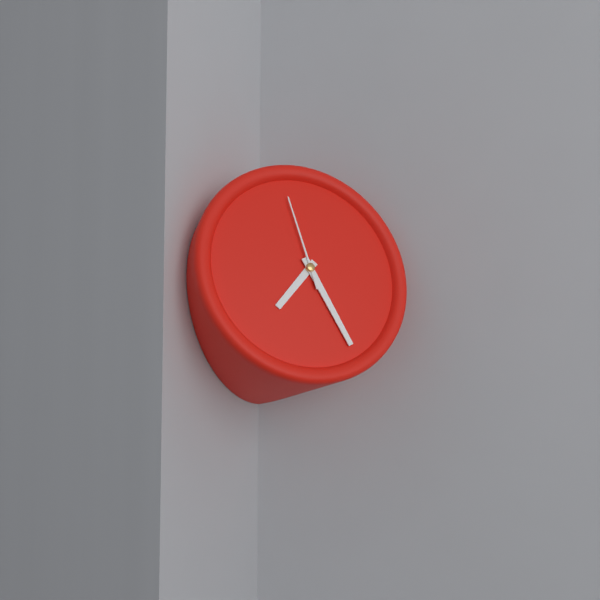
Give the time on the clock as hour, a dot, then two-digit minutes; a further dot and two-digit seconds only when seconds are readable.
7.26.58
